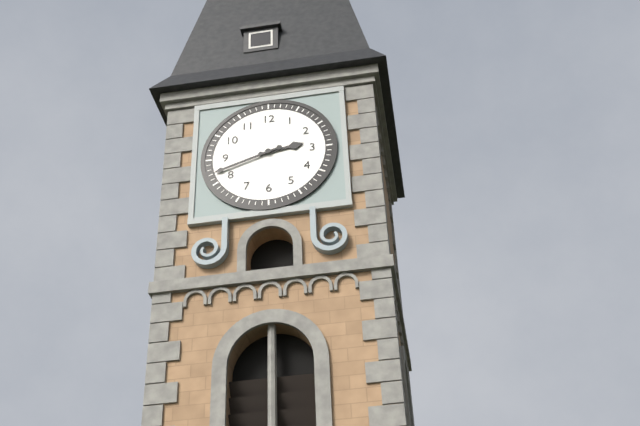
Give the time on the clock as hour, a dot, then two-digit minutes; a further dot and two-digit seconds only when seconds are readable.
2.42
